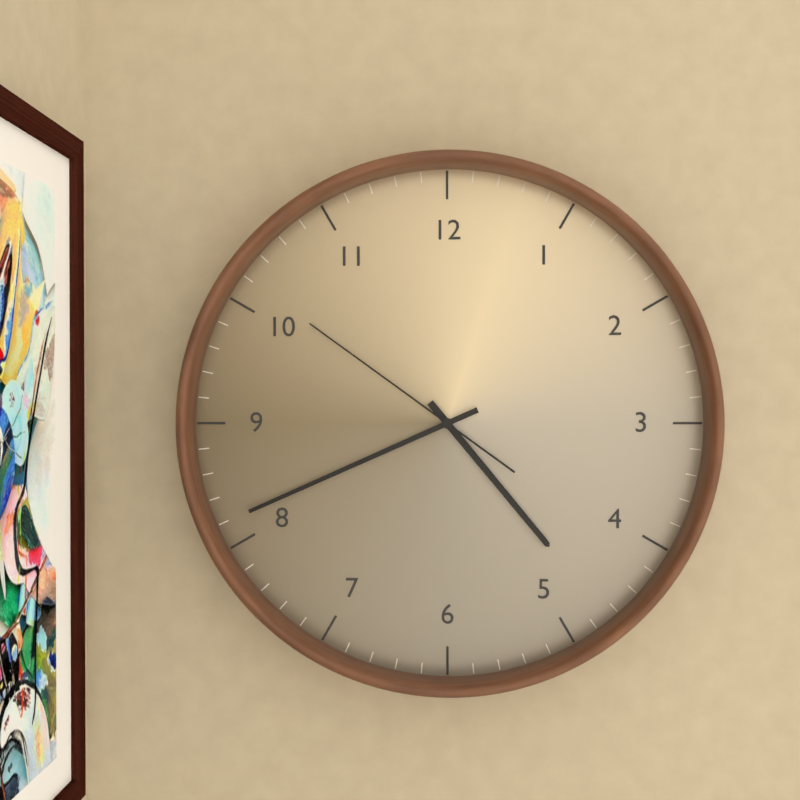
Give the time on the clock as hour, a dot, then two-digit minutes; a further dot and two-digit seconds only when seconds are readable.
4.41.51
